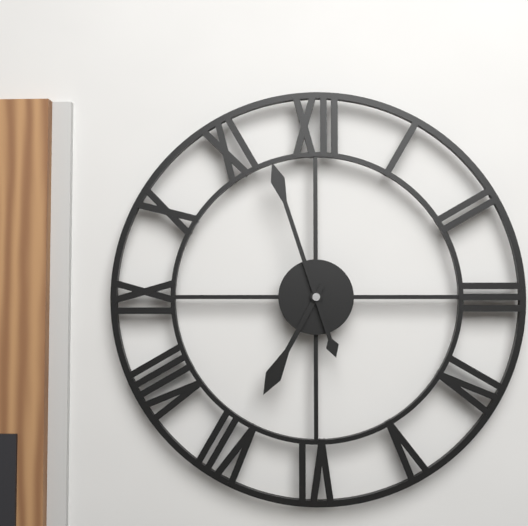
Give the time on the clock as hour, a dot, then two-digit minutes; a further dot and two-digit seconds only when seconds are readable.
6.57
